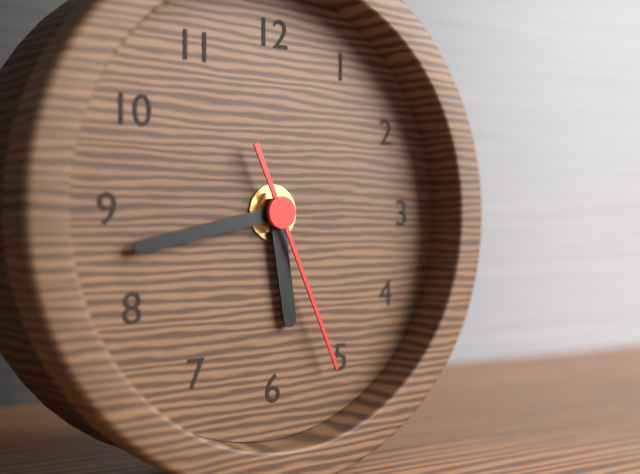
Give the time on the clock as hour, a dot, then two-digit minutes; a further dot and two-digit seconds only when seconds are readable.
5.43.26
